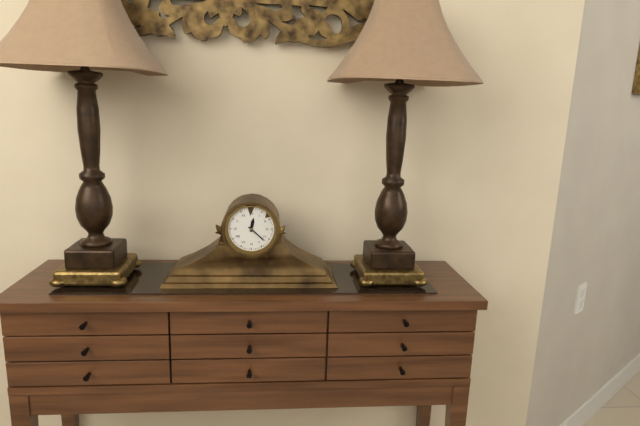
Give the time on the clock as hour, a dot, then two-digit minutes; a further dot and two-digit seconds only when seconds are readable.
12.22
